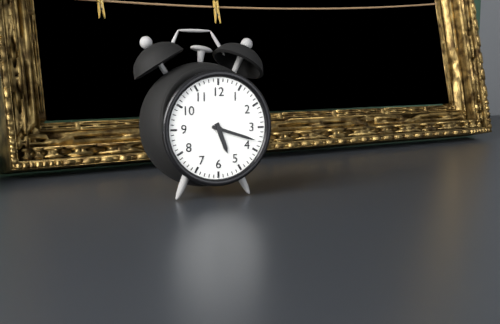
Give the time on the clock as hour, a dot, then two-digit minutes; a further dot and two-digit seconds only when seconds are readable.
5.18
